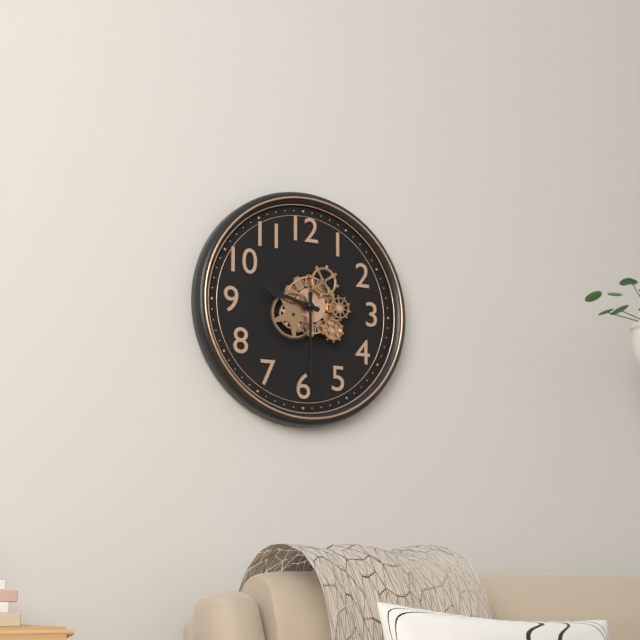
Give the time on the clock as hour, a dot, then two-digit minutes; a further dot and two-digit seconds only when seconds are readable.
9.30
